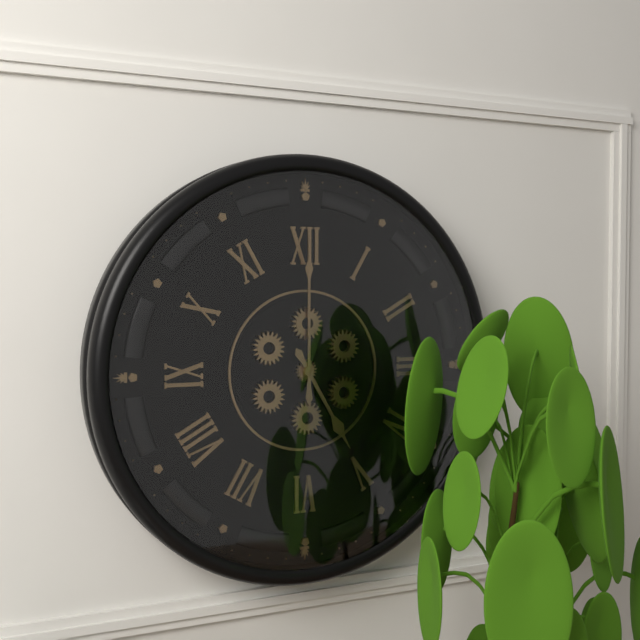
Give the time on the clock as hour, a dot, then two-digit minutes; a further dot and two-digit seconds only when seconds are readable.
5.00
